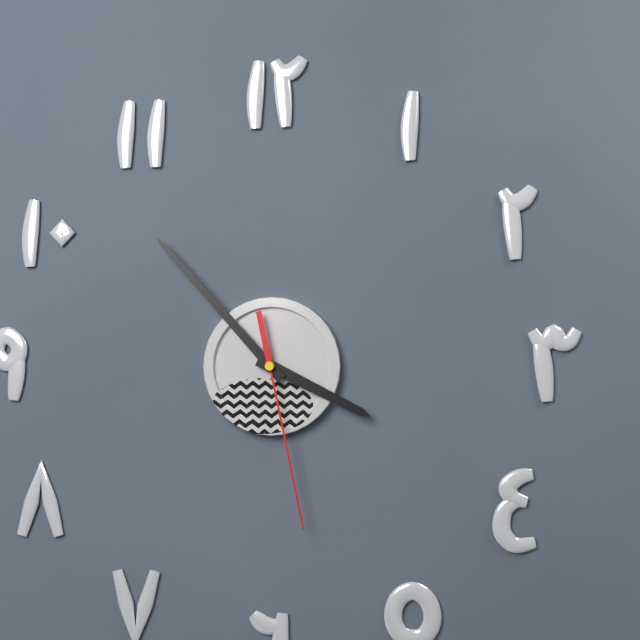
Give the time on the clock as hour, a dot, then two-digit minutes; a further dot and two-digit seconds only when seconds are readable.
3.53.28
